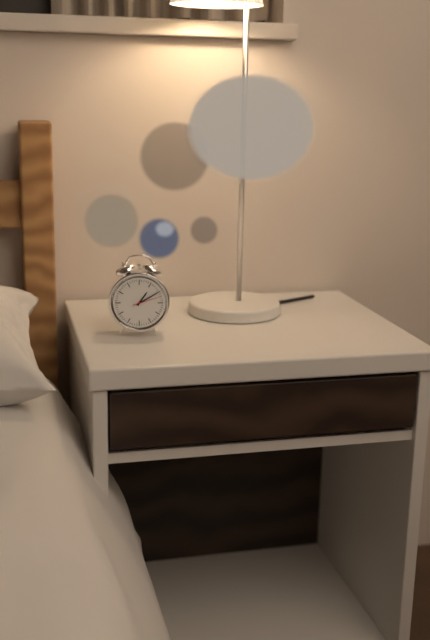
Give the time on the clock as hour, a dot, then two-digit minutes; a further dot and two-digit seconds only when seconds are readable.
1.10
